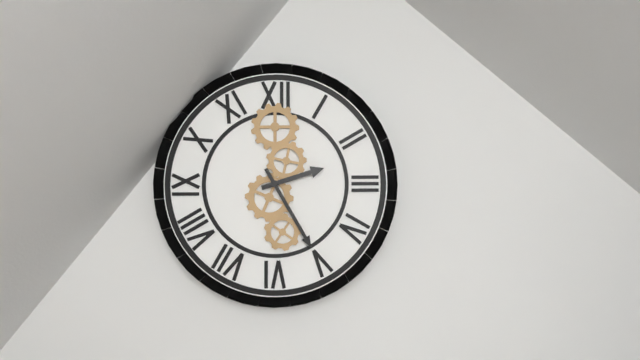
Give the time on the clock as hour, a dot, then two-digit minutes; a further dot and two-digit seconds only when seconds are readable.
2.25
